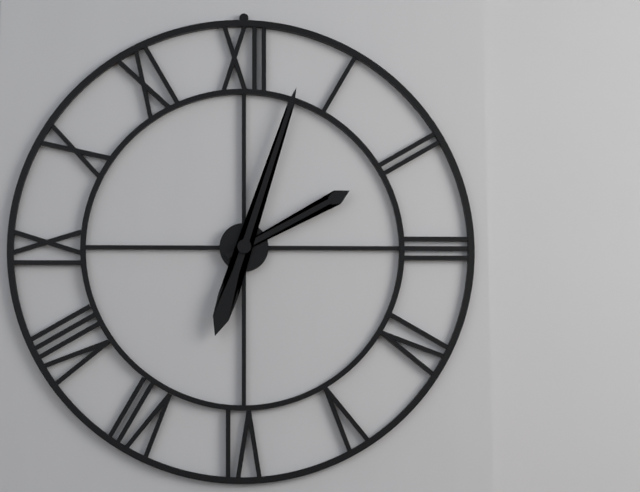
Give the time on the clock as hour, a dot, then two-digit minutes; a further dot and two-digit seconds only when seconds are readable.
2.03
